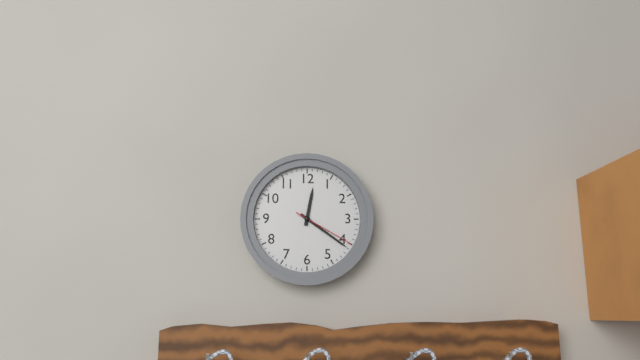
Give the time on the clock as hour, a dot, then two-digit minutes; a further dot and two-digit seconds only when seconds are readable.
12.21.20
